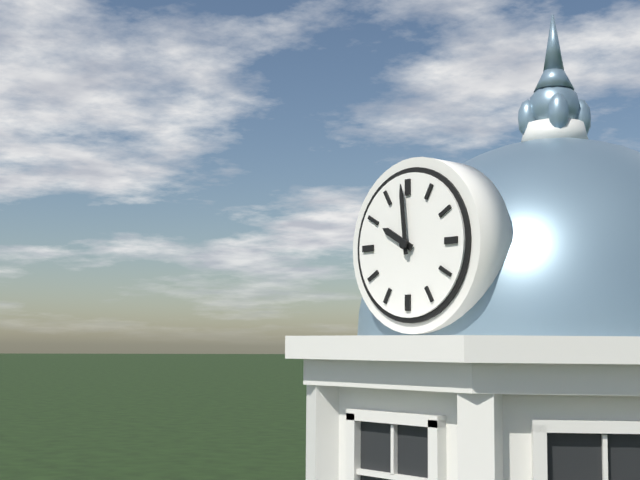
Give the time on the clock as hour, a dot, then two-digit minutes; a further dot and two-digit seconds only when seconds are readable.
9.59
